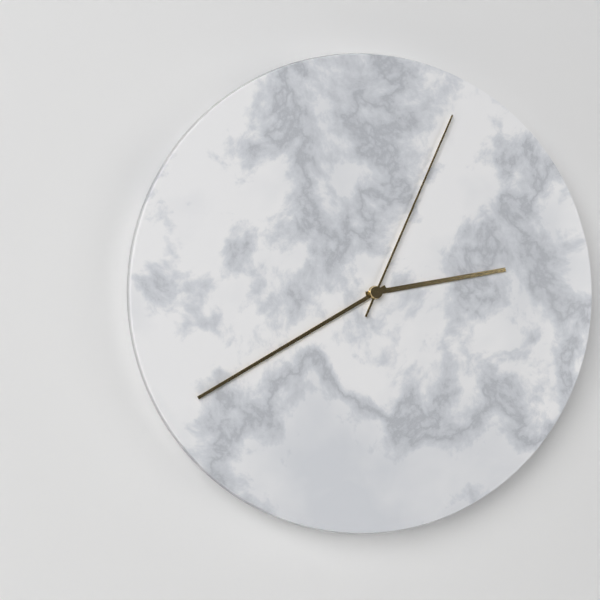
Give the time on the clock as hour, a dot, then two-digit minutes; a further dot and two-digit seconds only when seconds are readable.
2.40.04
